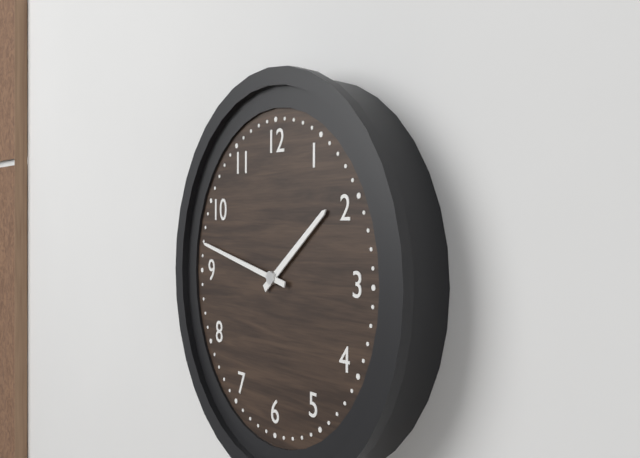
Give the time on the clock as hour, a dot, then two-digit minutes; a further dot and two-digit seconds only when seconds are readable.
1.47
